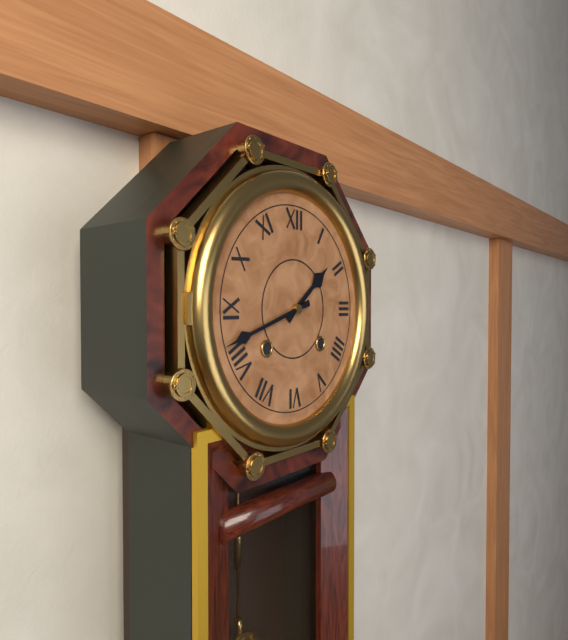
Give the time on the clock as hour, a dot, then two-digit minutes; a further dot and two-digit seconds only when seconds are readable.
1.42
